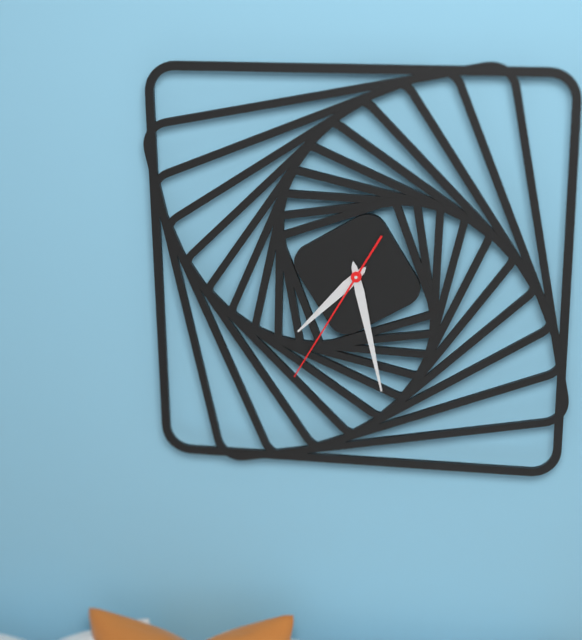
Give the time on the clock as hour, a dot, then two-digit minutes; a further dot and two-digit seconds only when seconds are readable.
7.28.35
